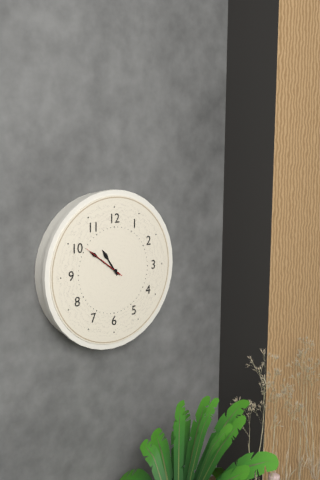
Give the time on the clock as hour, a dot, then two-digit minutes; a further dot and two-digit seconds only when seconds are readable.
10.51
